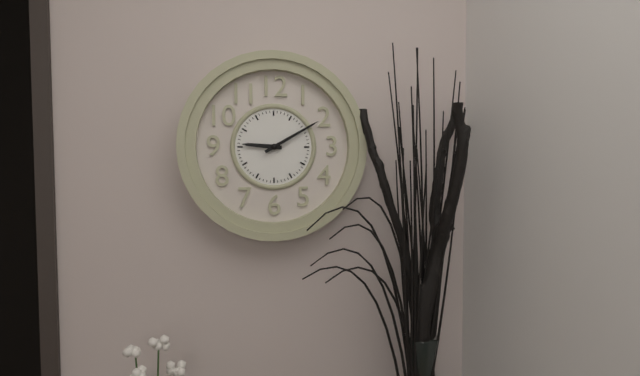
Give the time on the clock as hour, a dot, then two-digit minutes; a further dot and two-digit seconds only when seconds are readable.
9.10
